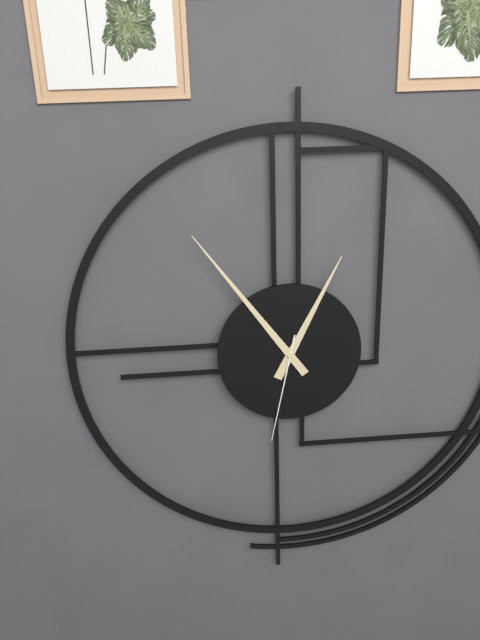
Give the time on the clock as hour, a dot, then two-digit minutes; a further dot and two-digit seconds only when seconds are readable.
12.54.32
